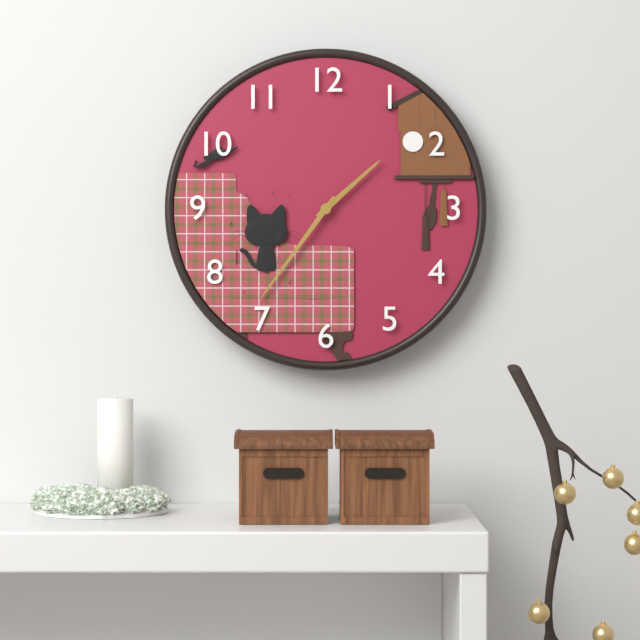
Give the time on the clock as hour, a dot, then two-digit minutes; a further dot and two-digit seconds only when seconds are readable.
1.36
